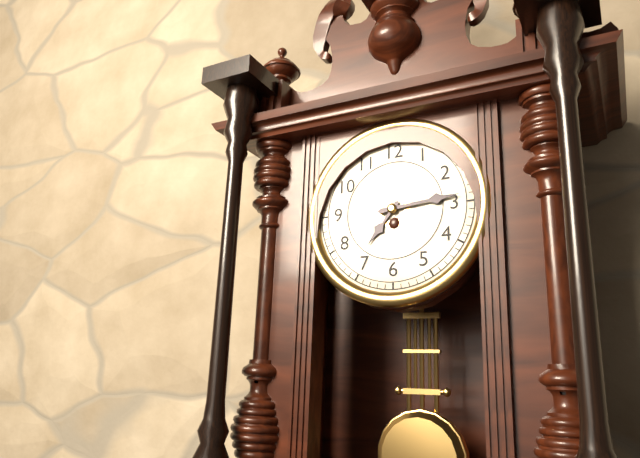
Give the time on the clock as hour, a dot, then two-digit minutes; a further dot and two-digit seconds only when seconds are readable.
7.14
